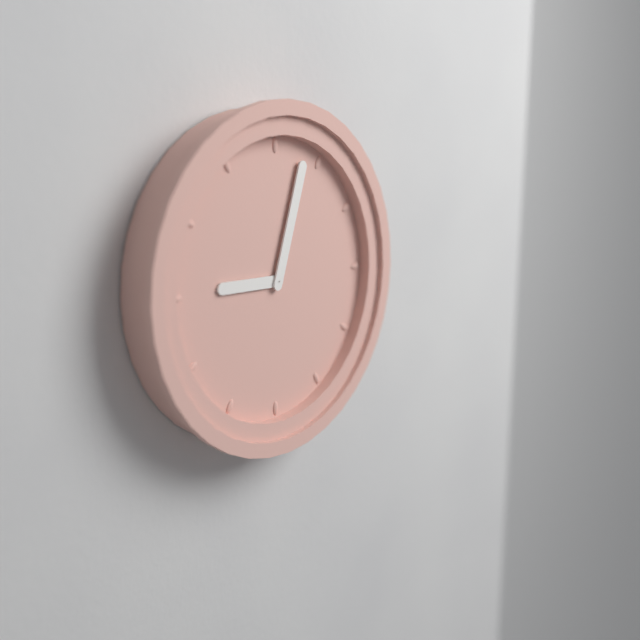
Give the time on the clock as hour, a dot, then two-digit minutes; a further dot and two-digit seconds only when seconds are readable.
9.03
